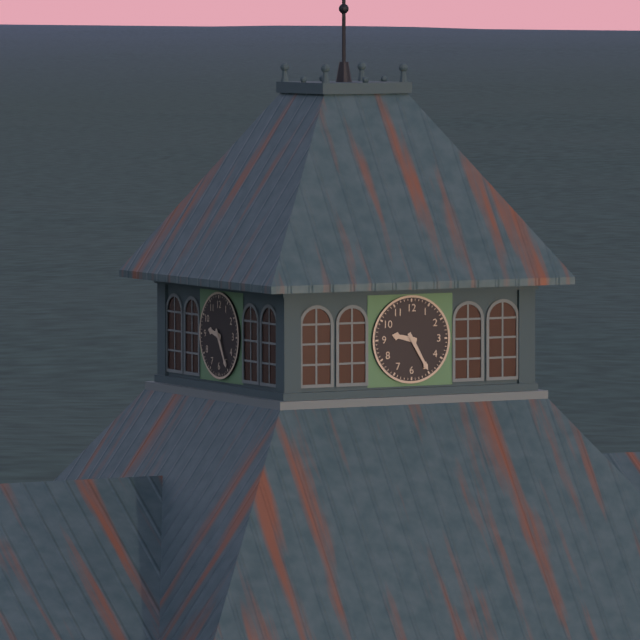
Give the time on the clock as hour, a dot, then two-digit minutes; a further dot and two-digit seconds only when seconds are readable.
9.25
